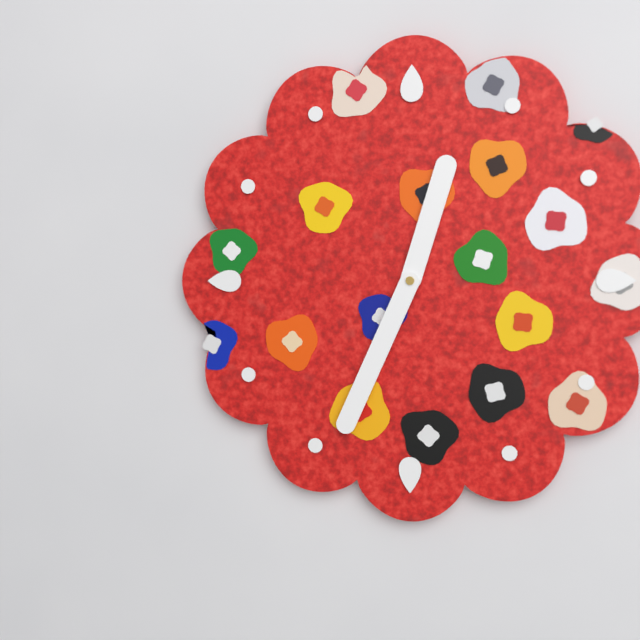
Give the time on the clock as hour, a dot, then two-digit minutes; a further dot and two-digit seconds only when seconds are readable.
12.34
